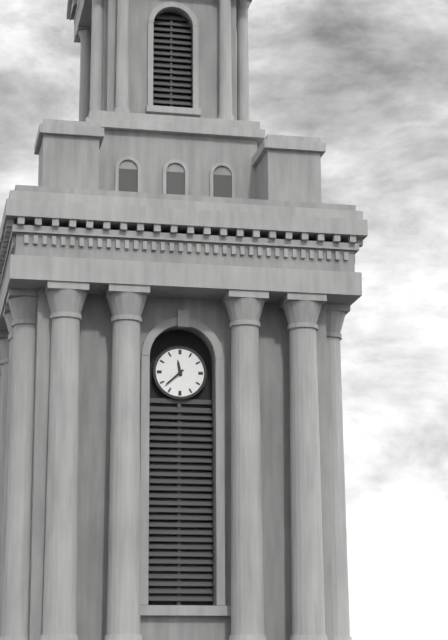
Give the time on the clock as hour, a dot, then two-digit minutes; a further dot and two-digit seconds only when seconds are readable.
11.38
